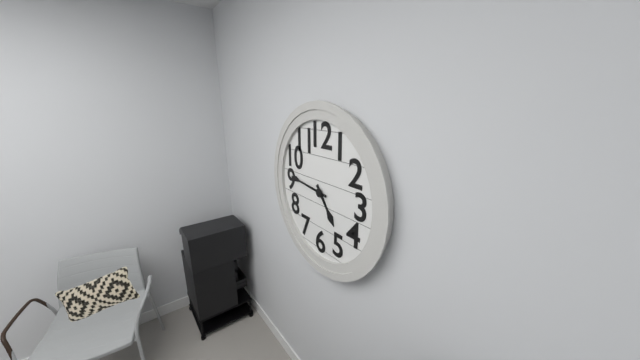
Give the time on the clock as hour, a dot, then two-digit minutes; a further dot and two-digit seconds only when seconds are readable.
4.46
